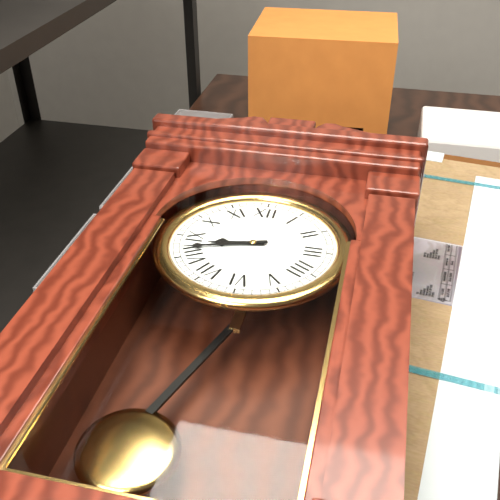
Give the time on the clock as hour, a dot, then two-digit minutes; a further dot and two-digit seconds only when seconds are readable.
8.42
